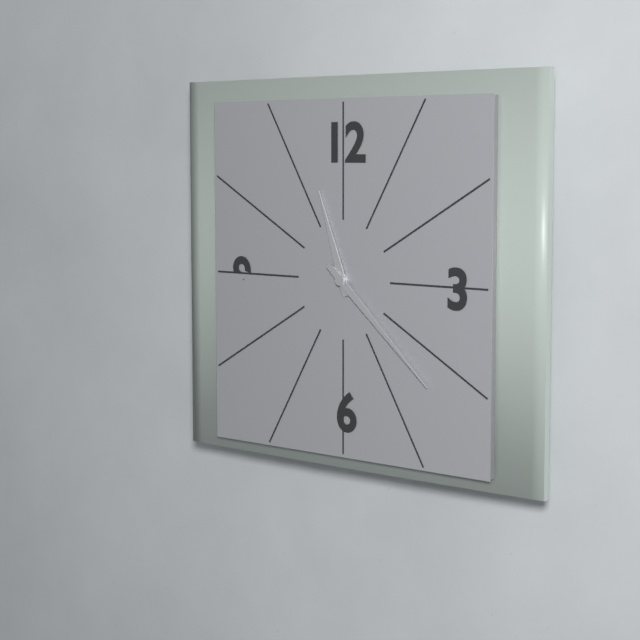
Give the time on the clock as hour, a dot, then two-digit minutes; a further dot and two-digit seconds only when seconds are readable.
11.22
